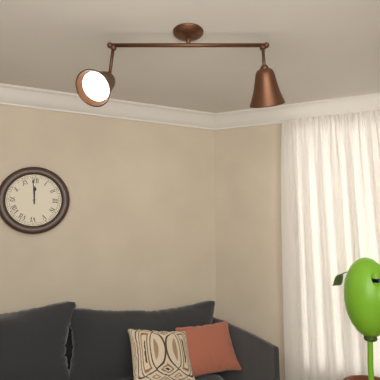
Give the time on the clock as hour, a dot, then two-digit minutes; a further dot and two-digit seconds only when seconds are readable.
11.59
